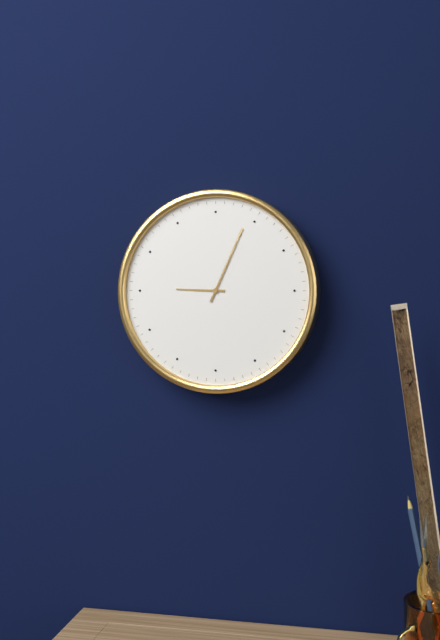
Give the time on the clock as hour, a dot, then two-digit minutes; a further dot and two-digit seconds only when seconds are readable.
9.04
